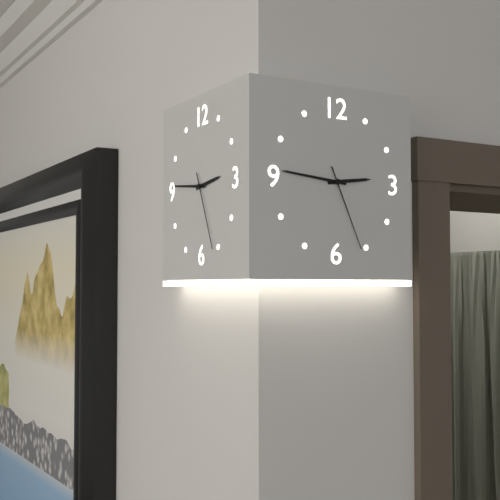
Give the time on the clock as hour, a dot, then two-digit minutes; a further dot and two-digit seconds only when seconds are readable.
2.46.26
